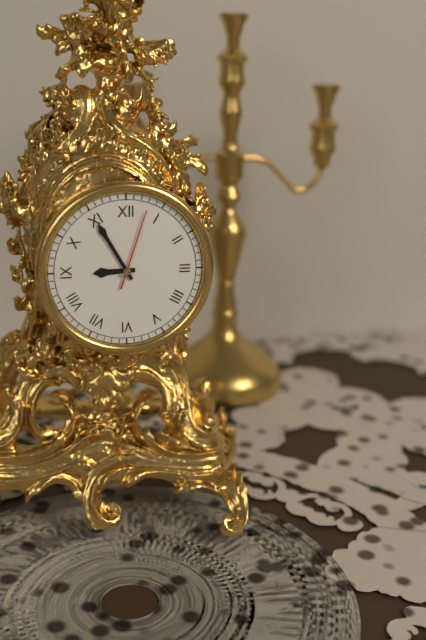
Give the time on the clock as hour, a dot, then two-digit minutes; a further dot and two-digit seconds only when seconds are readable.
8.55.03
